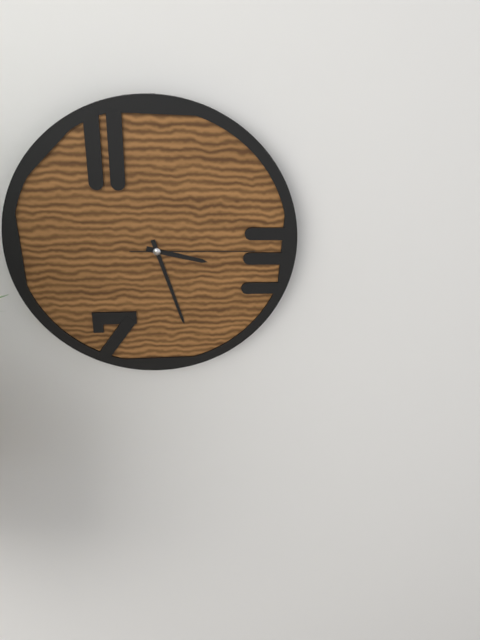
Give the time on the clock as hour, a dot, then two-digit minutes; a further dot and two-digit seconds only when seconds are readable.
3.27.15
